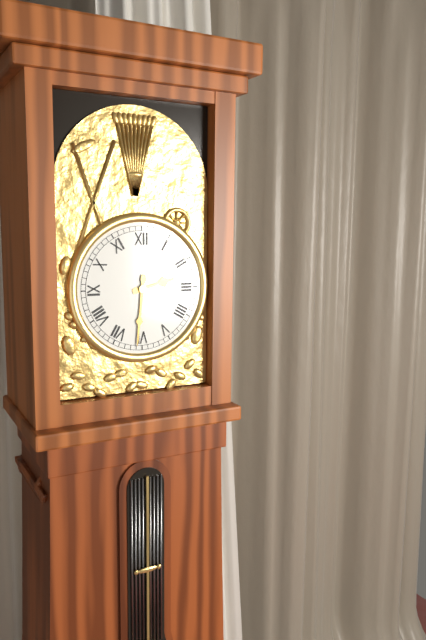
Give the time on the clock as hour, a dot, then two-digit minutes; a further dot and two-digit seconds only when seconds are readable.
2.31
